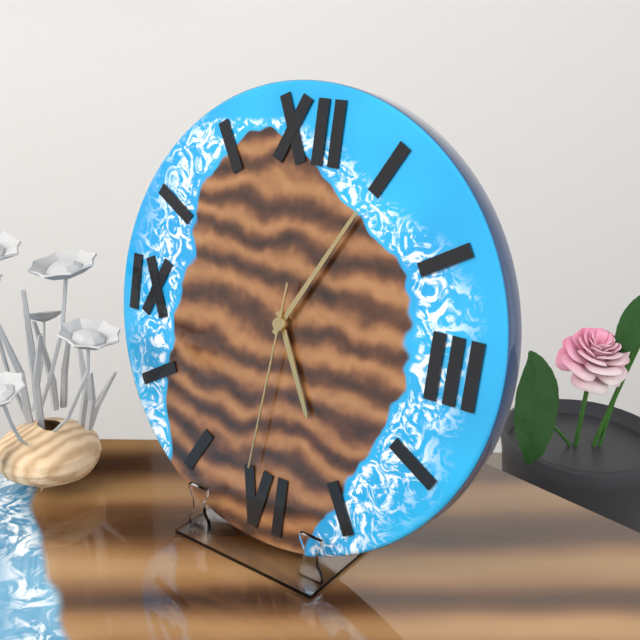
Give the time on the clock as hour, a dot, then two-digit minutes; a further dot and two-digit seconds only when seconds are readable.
5.05.31
